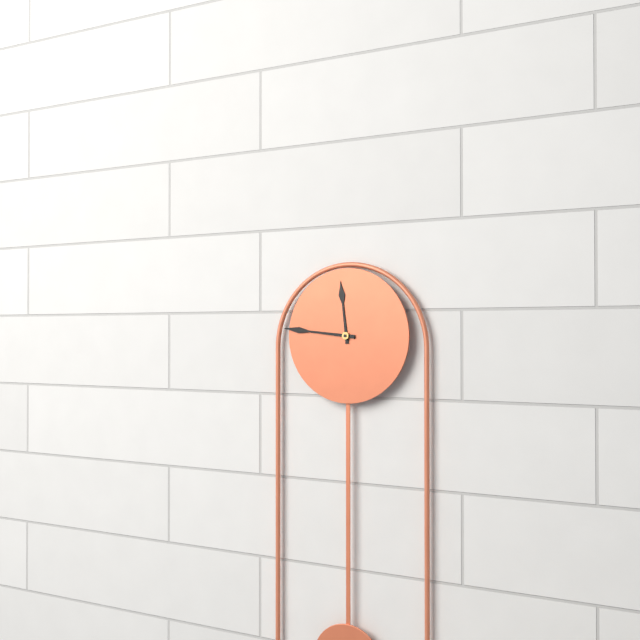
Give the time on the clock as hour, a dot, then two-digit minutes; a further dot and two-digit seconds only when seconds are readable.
11.46
